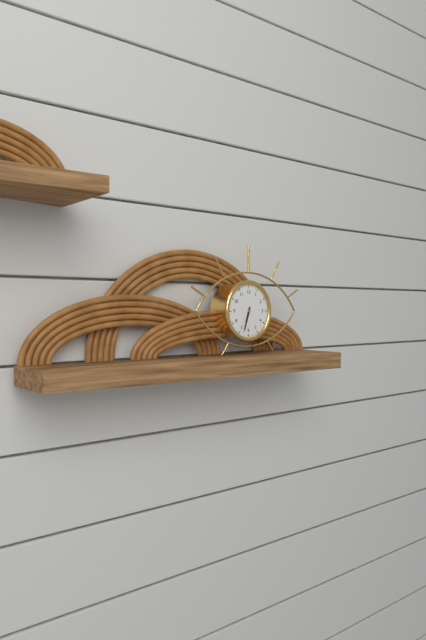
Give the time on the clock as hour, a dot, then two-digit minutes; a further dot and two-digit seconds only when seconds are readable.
6.33
